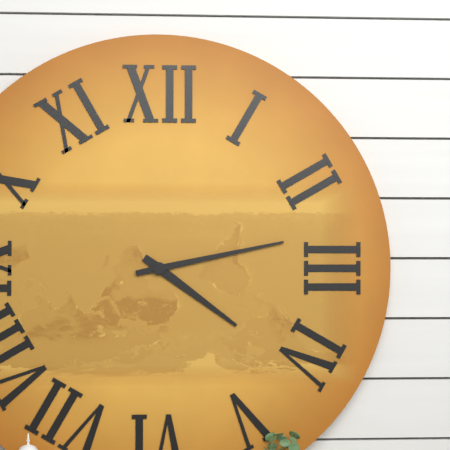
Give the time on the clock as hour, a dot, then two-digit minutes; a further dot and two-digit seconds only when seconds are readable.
4.13
